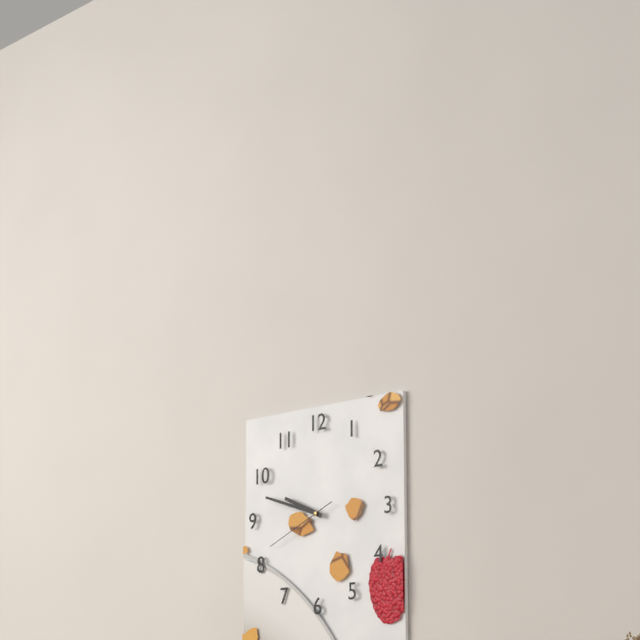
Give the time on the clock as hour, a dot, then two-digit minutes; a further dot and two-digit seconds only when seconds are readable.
9.48.41
